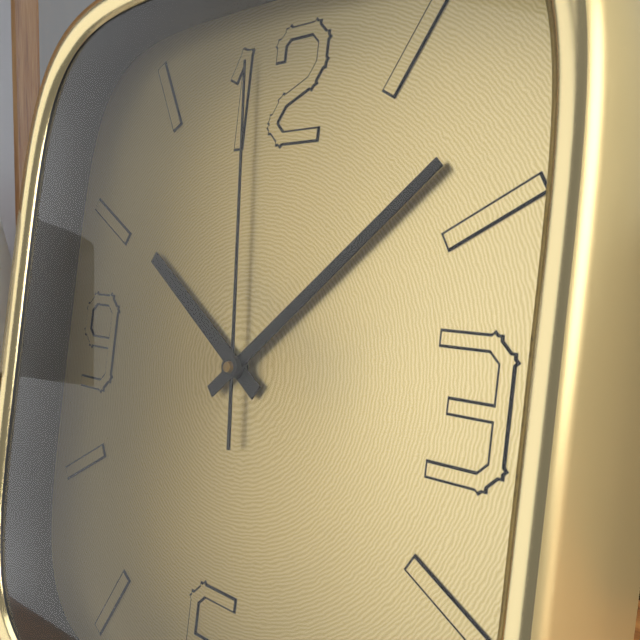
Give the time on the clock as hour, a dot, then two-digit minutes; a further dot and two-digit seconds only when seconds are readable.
10.08.59
